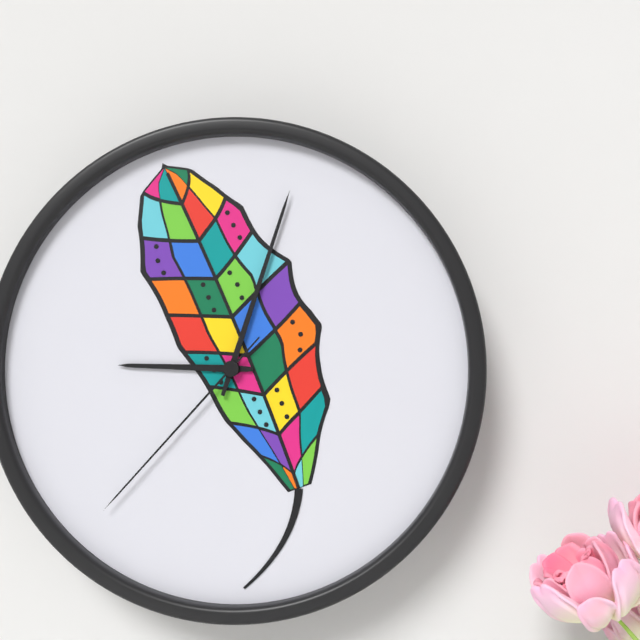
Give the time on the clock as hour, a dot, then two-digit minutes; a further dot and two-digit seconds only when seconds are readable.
9.03.37
